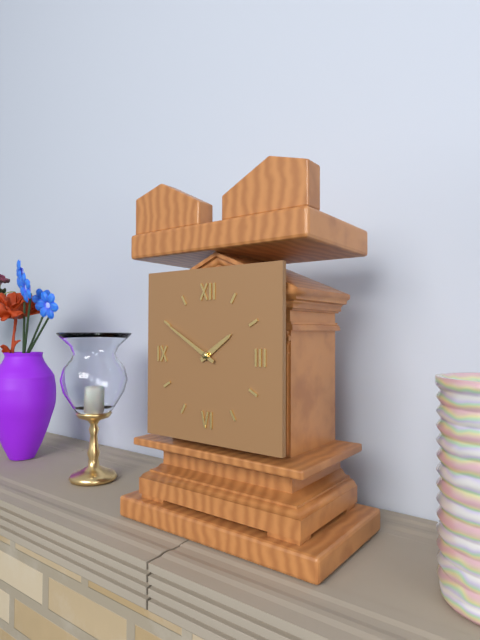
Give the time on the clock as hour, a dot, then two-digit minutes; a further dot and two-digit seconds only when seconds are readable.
1.50
